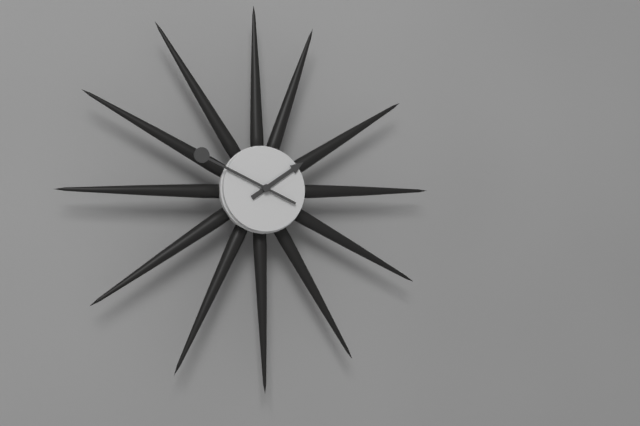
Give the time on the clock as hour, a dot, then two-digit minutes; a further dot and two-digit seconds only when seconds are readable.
1.49
